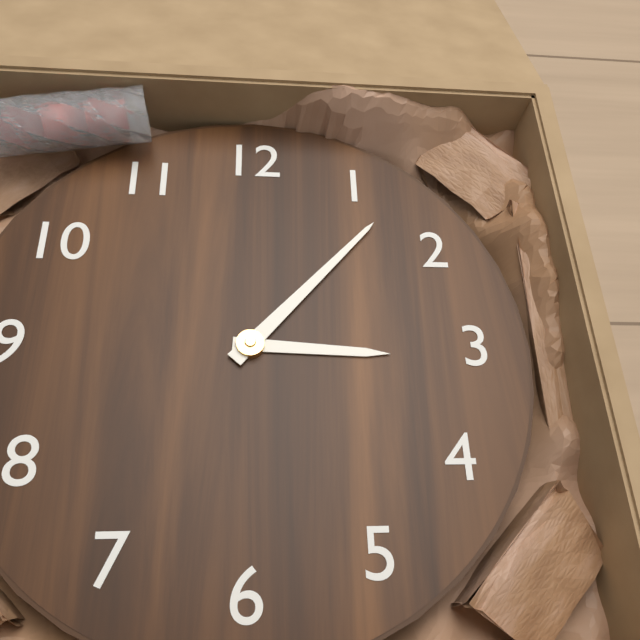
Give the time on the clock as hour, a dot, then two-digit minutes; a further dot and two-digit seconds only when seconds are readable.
3.07
